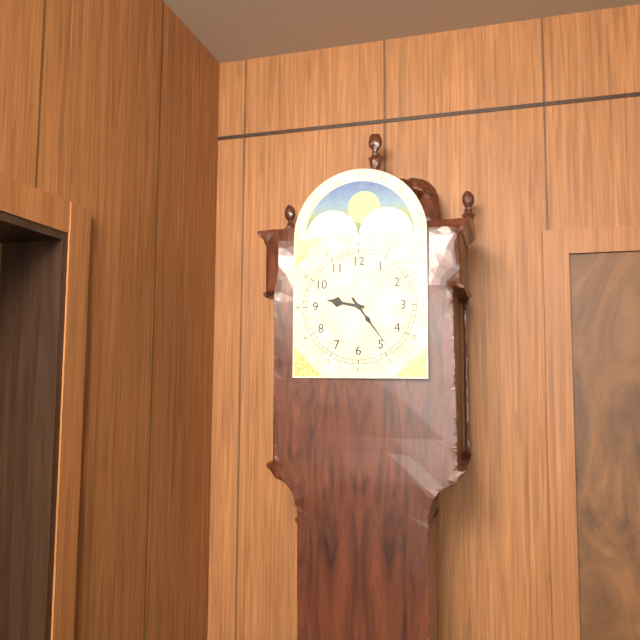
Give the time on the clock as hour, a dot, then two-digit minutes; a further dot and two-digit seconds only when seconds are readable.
9.24
